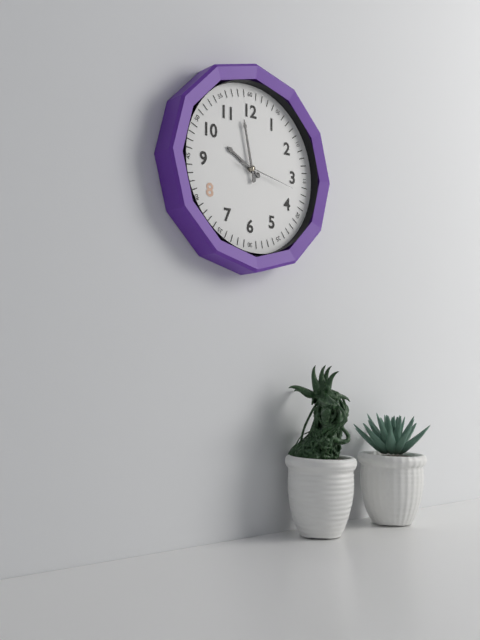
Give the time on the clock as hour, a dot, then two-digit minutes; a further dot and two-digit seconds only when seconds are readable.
9.58.17
